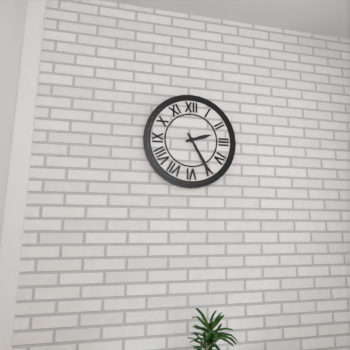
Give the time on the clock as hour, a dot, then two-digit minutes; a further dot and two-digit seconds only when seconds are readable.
2.25
